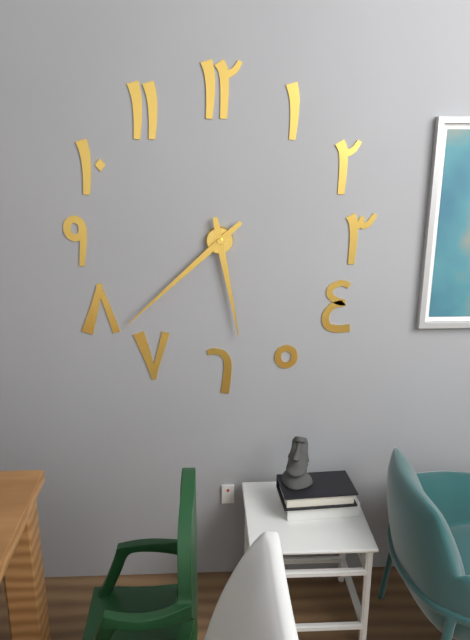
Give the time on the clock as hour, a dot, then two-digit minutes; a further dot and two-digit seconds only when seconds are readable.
5.38
